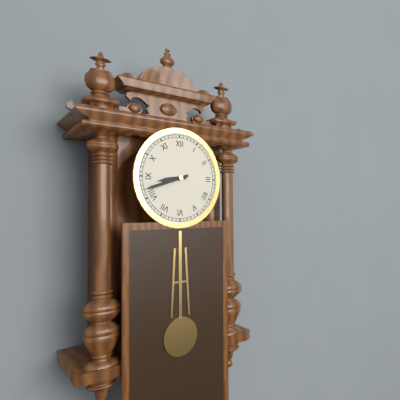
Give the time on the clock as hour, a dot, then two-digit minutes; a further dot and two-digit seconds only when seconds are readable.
8.42
